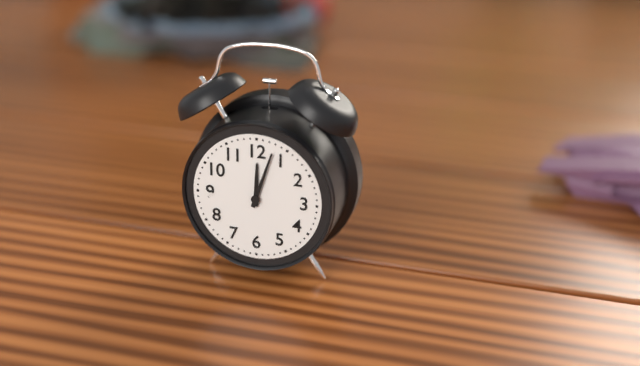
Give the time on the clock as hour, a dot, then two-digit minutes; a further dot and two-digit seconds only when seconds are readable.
12.03
